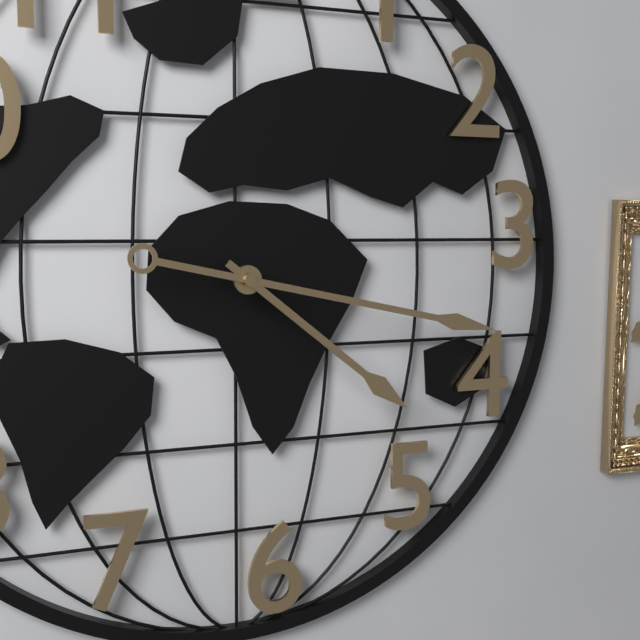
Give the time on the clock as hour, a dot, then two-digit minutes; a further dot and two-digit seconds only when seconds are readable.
4.17
